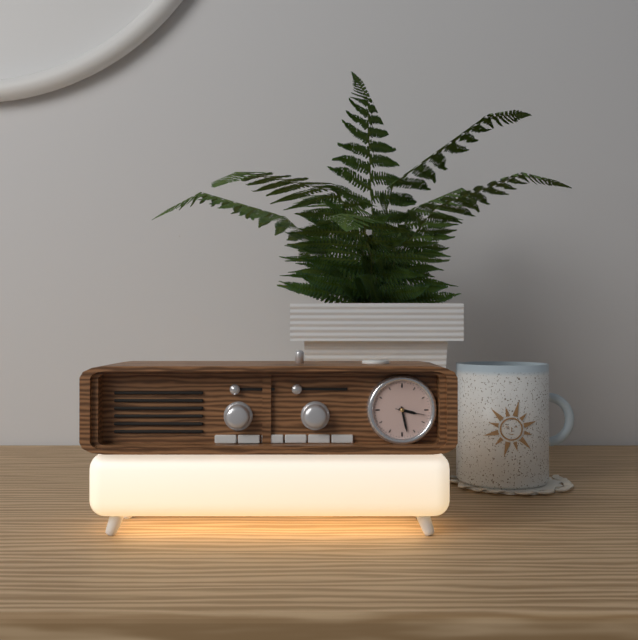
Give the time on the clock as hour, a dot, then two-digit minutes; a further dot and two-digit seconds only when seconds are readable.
3.28
